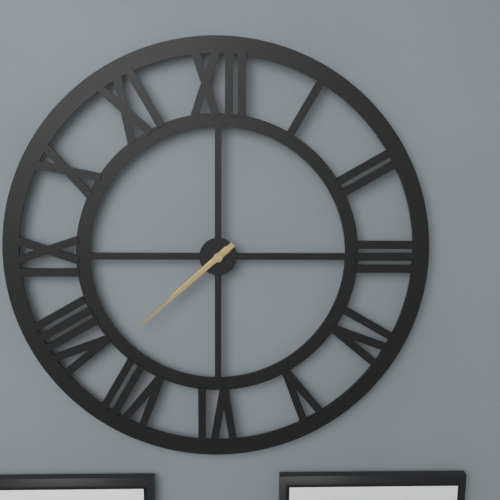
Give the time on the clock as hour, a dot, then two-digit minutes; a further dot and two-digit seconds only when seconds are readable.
7.38
